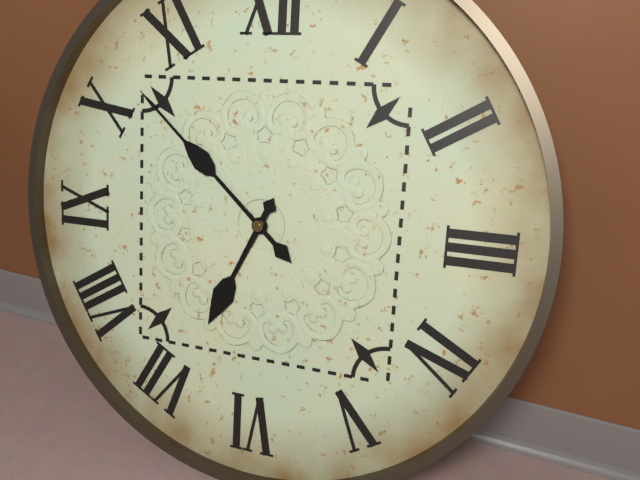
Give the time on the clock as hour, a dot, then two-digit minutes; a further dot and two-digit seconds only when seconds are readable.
6.52
